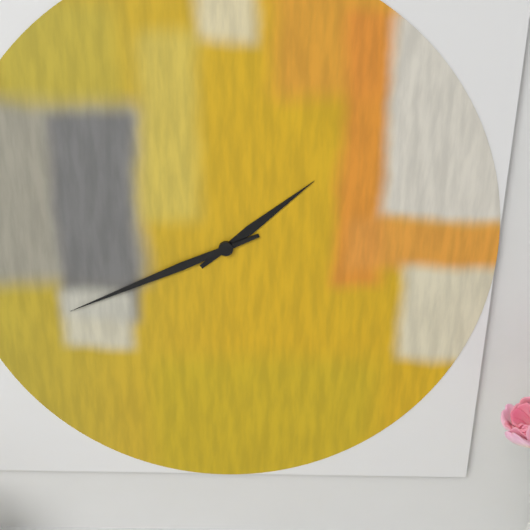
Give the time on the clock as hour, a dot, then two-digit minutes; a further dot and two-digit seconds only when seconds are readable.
1.41
